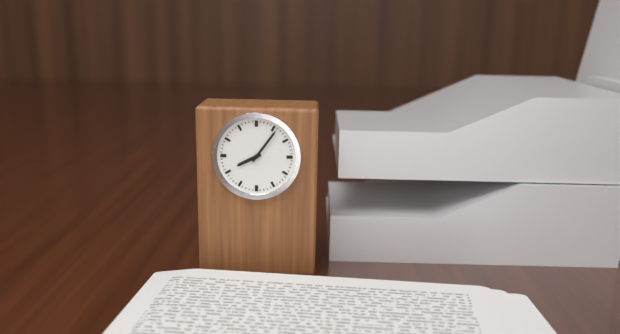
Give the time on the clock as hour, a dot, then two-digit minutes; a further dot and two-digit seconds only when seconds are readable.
8.06
